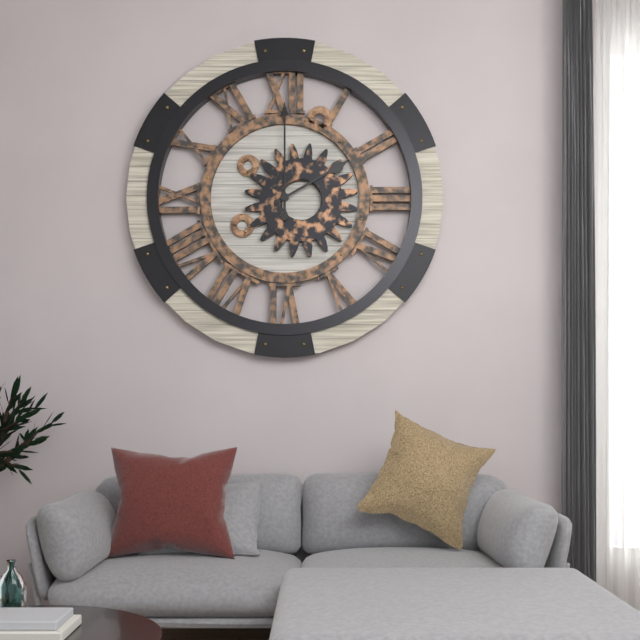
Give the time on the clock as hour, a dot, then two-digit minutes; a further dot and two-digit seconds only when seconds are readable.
2.00
